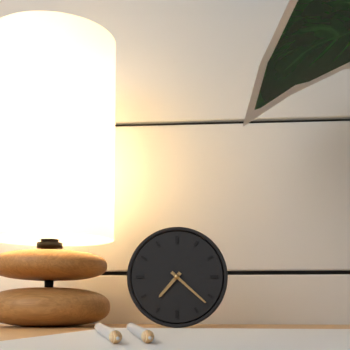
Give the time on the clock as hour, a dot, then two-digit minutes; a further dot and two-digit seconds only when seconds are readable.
7.22
